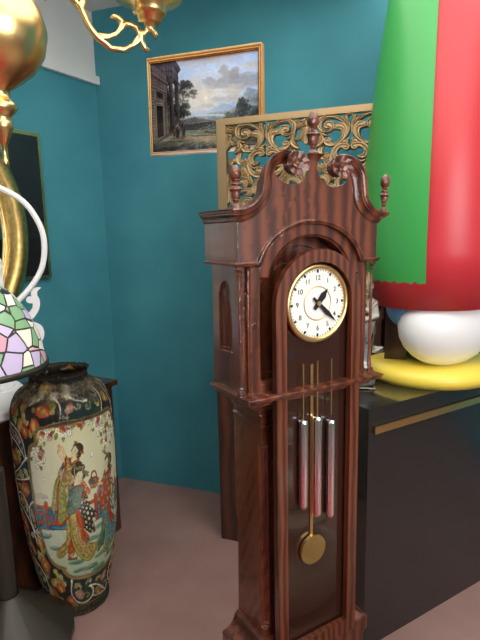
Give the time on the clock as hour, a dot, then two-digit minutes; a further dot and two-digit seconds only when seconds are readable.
1.22
